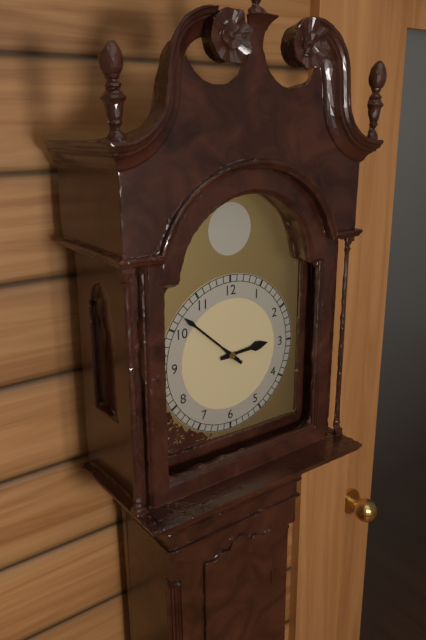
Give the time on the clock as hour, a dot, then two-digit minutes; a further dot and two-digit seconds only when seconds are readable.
2.52
